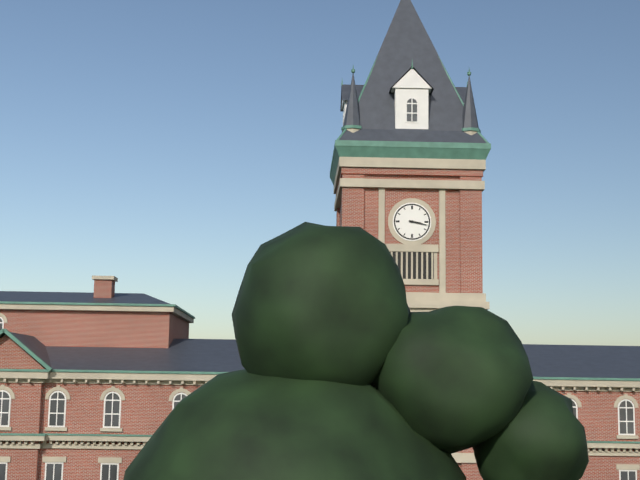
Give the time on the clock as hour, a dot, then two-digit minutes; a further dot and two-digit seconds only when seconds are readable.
3.17
